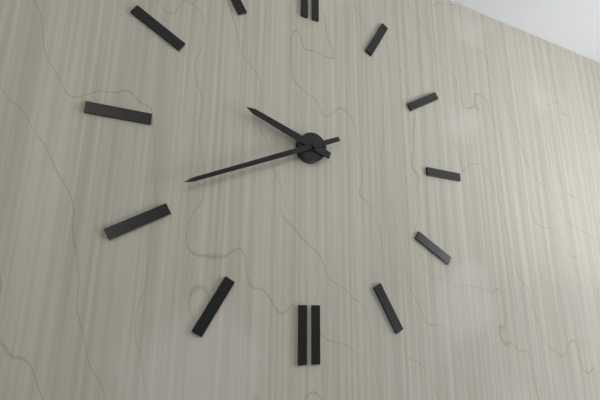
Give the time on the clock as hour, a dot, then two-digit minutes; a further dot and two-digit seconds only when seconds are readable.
9.41
